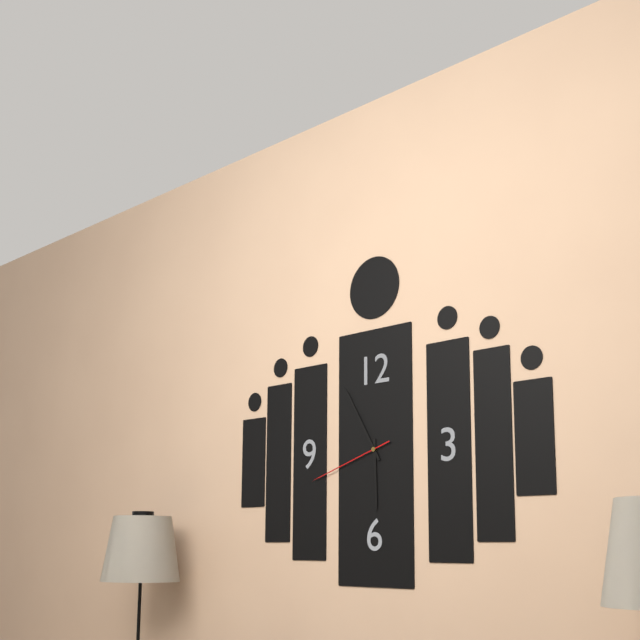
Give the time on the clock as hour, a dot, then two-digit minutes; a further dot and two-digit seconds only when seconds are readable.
5.55.42
